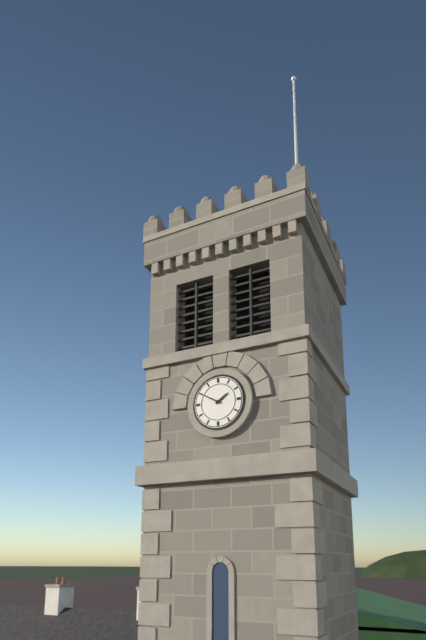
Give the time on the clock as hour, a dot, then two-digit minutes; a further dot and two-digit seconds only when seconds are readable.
1.50
